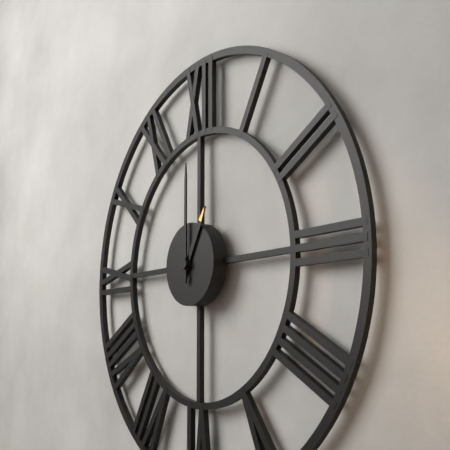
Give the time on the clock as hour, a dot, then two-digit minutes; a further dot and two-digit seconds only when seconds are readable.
1.00
